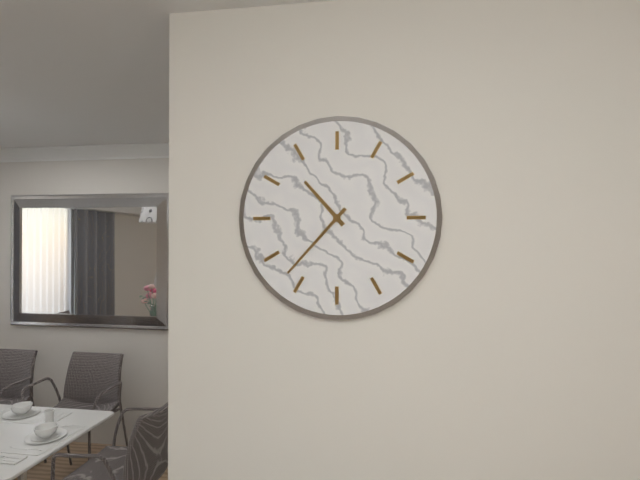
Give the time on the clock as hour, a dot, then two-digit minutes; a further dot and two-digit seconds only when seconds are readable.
10.37
